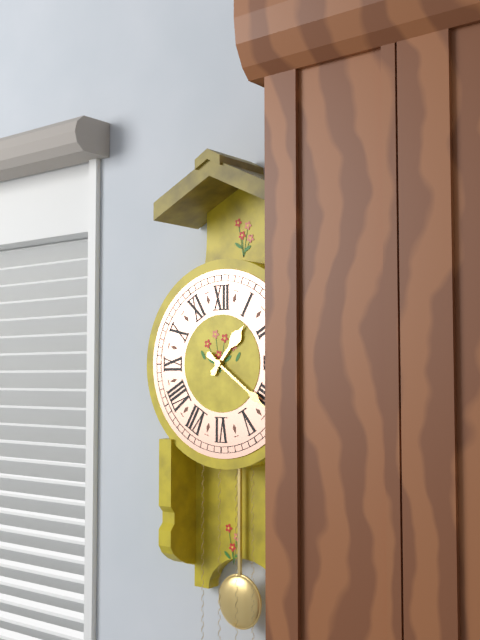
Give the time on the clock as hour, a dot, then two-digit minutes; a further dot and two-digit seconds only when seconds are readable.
1.21
